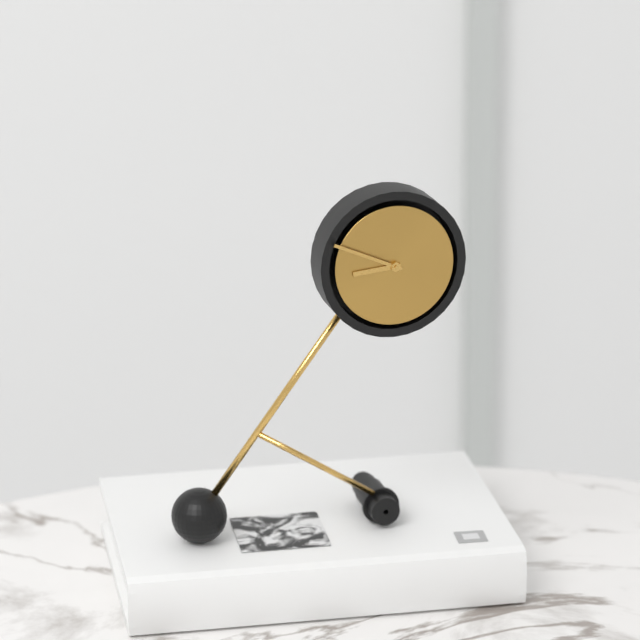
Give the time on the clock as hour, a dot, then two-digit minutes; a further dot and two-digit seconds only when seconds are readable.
8.49
